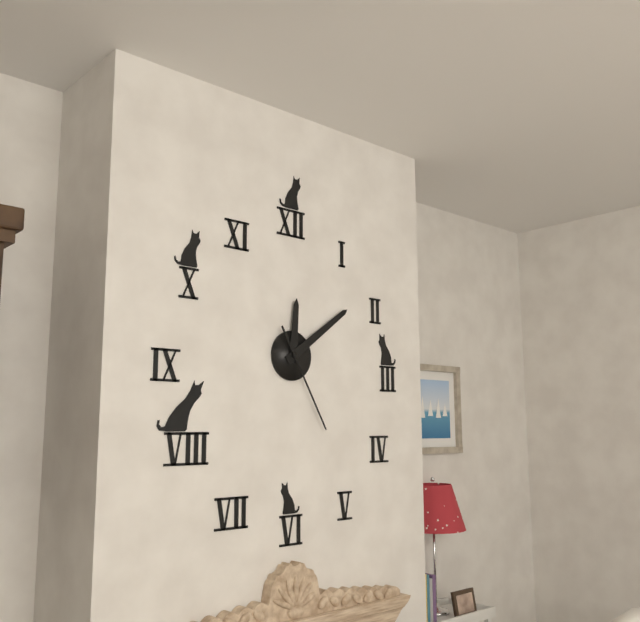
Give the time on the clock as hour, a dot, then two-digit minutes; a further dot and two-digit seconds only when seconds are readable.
12.09.25
